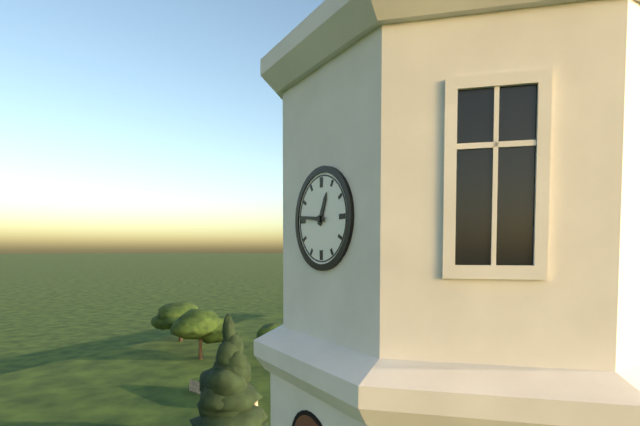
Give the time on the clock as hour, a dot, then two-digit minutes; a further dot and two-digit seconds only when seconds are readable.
12.46
